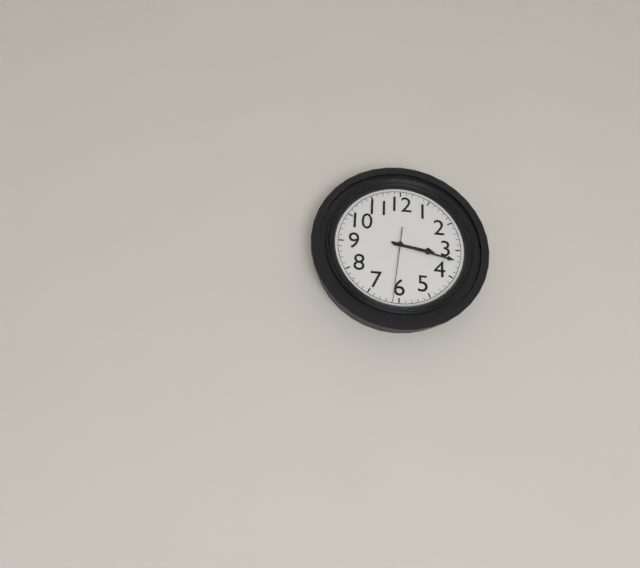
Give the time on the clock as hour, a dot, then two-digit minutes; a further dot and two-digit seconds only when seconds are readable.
3.17.31
